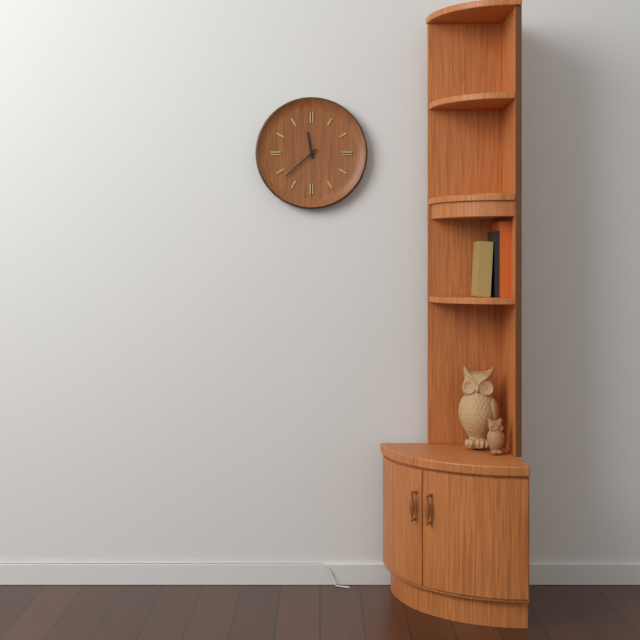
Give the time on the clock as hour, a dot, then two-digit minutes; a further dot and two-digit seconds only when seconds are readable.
11.38
